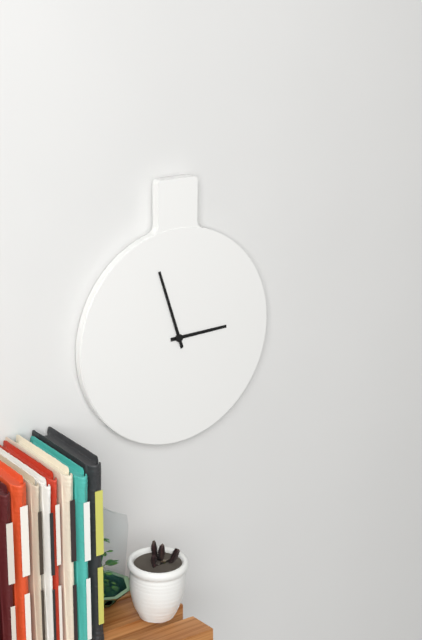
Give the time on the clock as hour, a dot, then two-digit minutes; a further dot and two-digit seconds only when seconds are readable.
2.57
